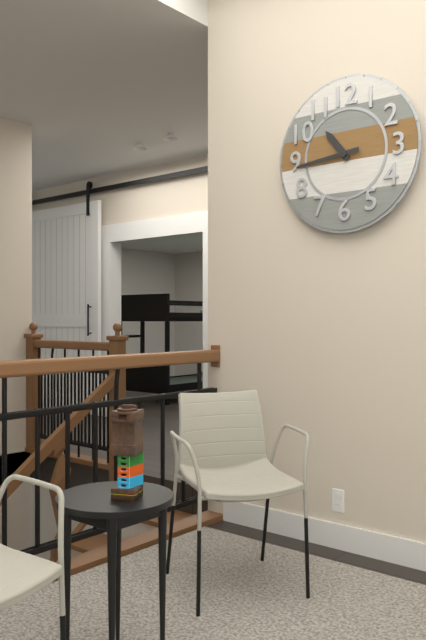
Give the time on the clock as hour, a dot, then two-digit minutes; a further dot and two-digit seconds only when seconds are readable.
10.44
